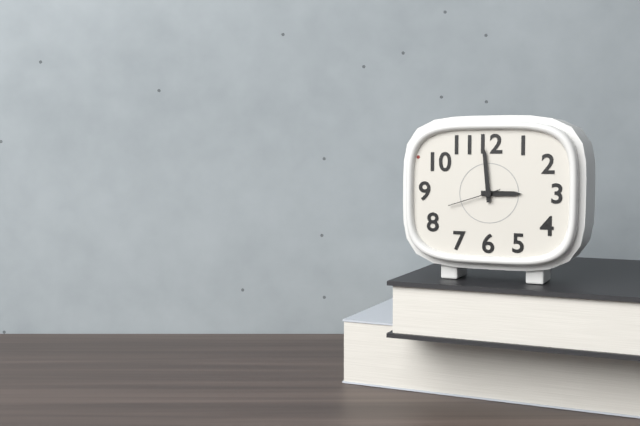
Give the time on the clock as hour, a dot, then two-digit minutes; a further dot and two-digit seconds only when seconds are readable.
2.59.42
